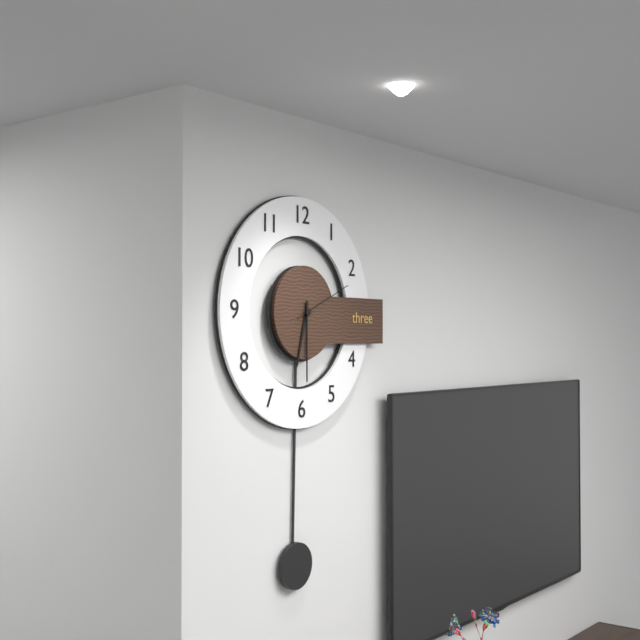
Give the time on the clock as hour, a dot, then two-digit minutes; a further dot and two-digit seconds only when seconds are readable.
6.30.11
